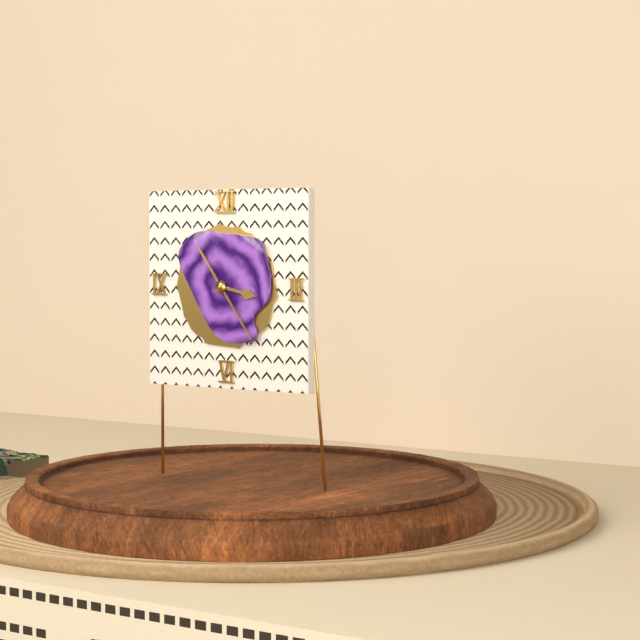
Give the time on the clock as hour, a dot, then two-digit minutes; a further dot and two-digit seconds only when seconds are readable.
3.24
